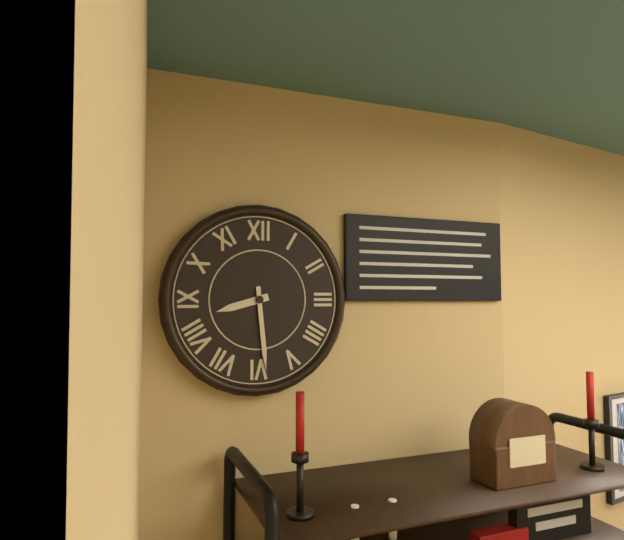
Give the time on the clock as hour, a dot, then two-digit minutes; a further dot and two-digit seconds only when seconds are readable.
8.29
